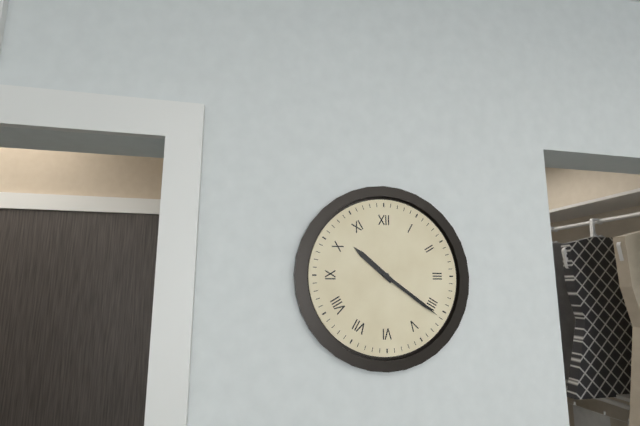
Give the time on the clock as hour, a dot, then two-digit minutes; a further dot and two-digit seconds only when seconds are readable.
10.21
